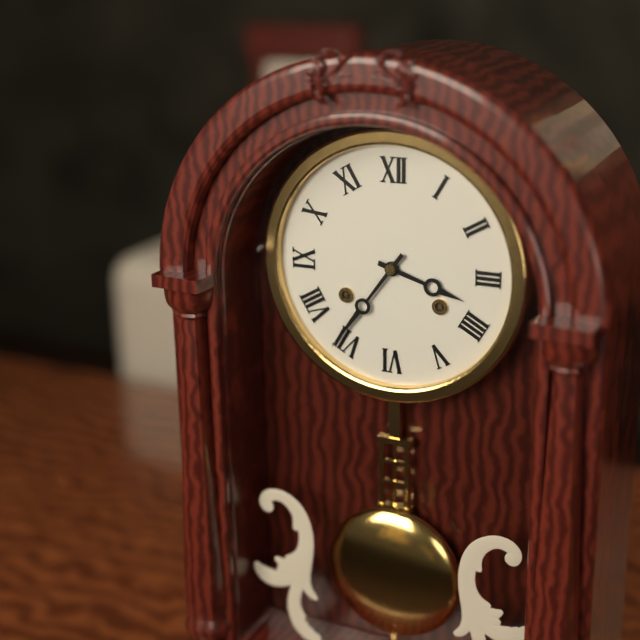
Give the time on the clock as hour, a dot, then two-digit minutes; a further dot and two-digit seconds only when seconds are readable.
3.36
